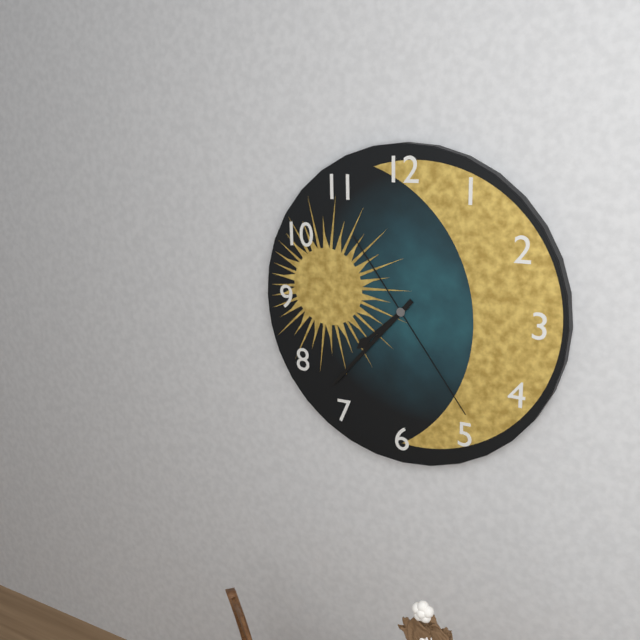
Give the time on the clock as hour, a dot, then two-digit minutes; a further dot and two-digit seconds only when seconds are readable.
7.37.24
